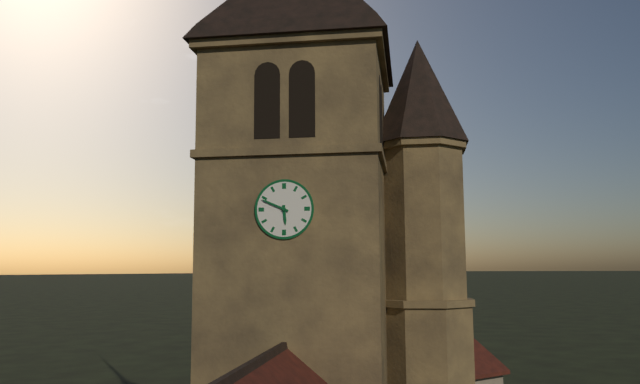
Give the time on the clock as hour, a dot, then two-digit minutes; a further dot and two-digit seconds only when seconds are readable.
5.49
